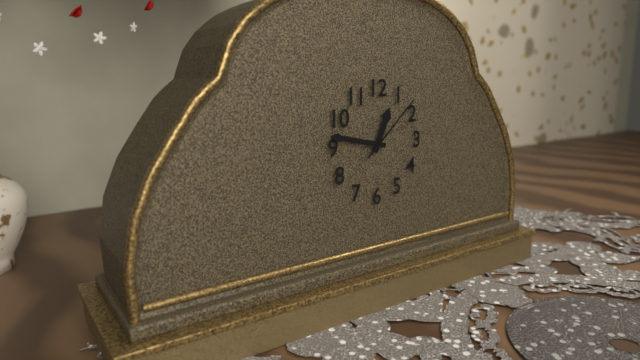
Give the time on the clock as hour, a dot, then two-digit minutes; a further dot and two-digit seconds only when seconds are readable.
12.47.08
